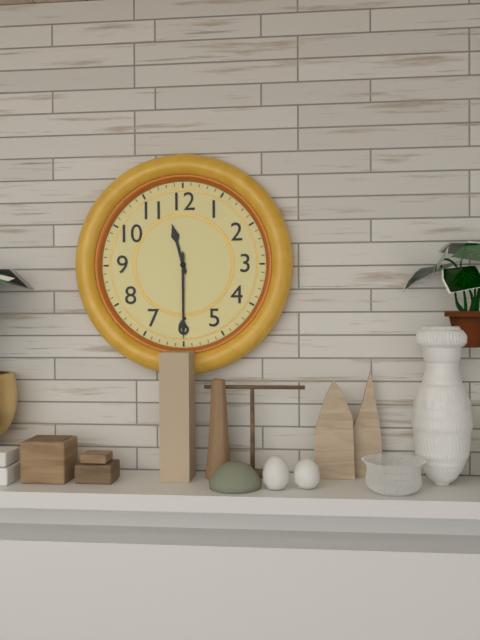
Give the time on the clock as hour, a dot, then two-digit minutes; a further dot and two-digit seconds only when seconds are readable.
11.30
